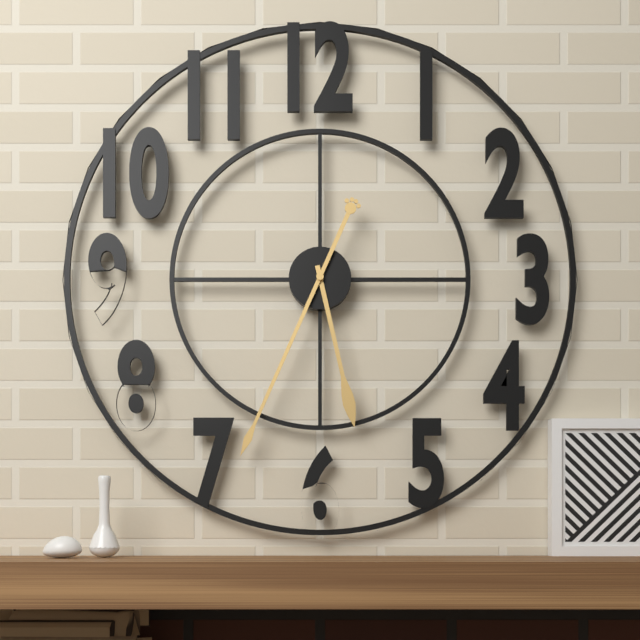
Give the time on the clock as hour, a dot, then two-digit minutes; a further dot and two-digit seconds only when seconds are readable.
5.34
